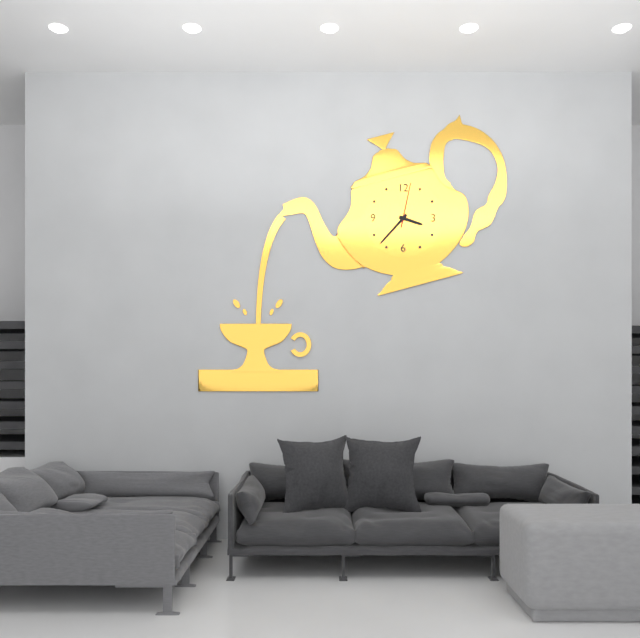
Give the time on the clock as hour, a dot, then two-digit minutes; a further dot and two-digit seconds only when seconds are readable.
3.37
